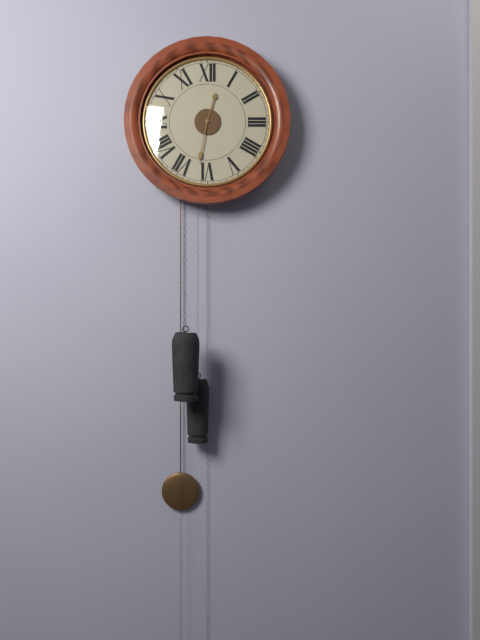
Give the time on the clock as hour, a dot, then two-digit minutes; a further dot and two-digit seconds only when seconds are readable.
12.32
